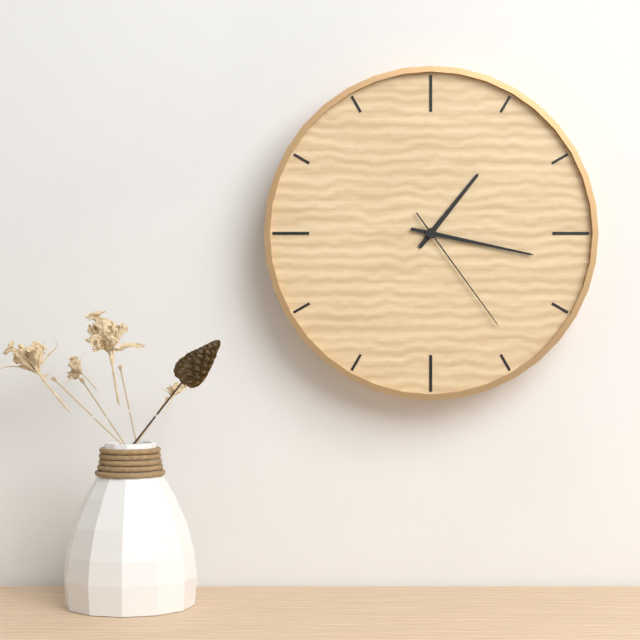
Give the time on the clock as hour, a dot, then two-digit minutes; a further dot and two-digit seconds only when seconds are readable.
1.17.24
